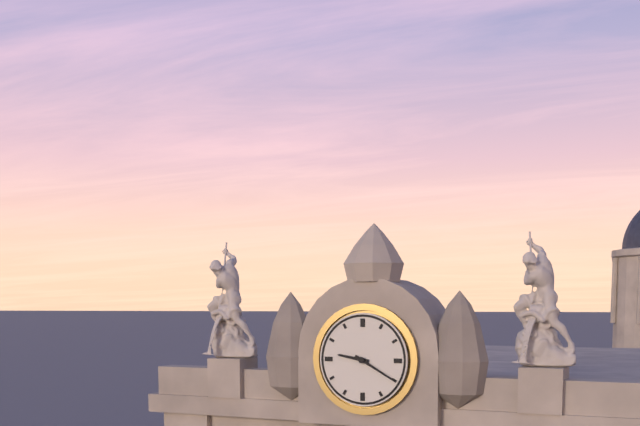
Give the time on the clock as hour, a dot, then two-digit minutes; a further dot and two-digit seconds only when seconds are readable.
9.20
